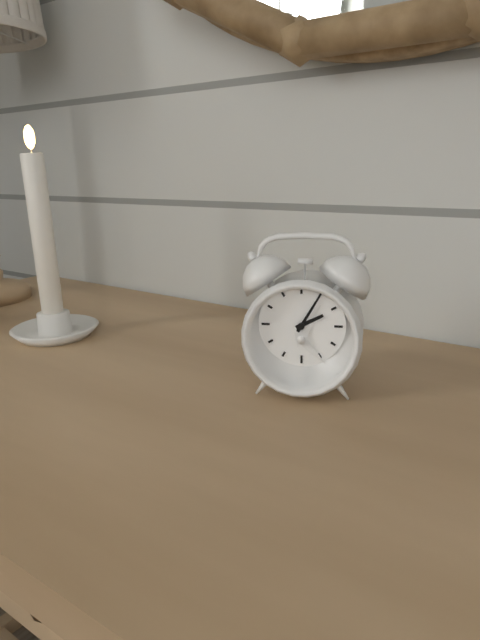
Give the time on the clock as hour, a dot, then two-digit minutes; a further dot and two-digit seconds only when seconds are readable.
2.05
